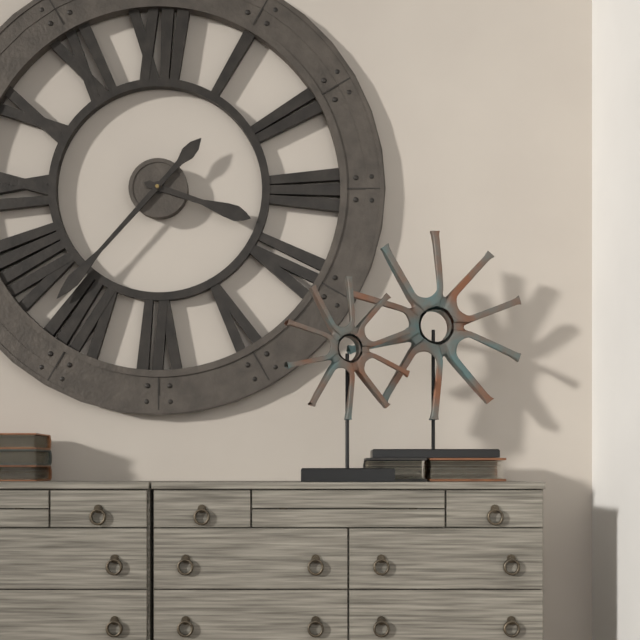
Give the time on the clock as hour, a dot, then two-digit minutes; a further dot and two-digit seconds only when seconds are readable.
3.37
